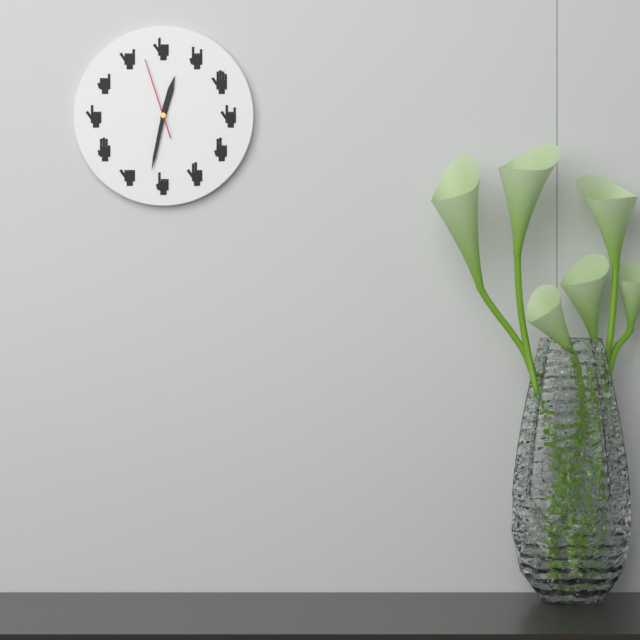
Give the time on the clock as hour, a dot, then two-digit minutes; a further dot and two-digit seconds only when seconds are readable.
12.32.57
